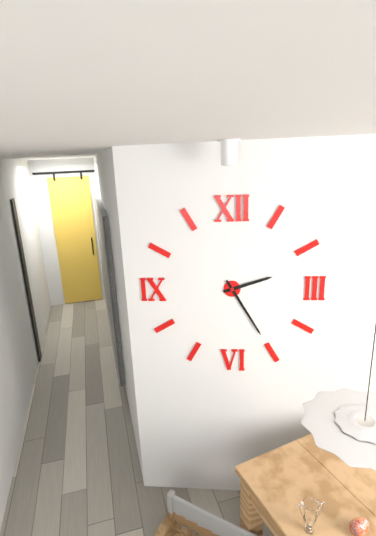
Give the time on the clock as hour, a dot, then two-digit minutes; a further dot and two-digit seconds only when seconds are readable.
2.25
